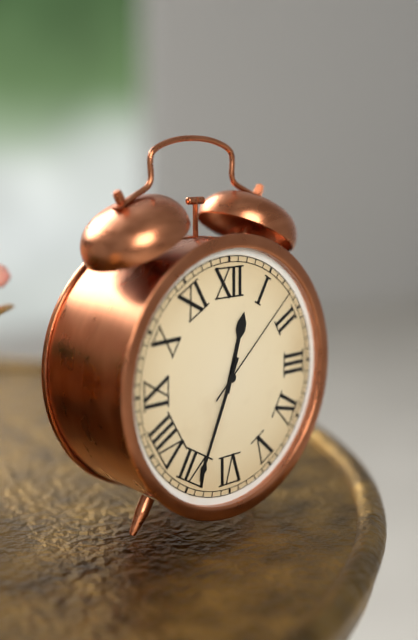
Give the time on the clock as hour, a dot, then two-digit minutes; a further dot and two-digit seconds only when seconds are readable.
12.34.08
